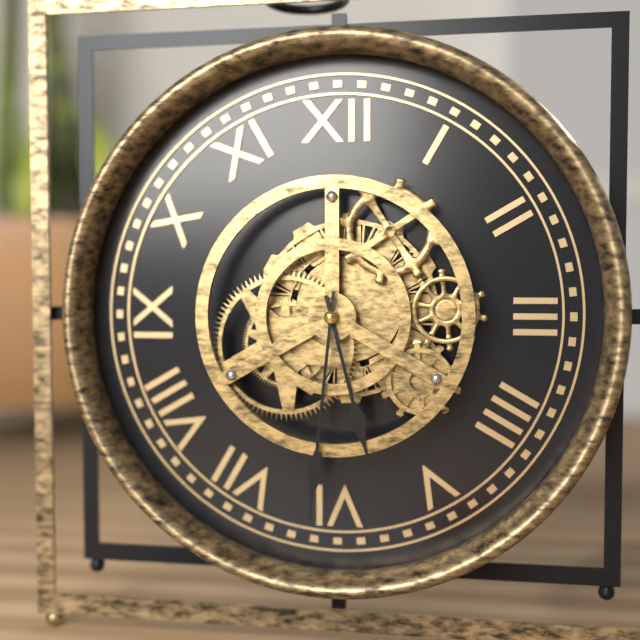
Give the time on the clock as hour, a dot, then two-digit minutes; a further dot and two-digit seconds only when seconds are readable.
5.31
